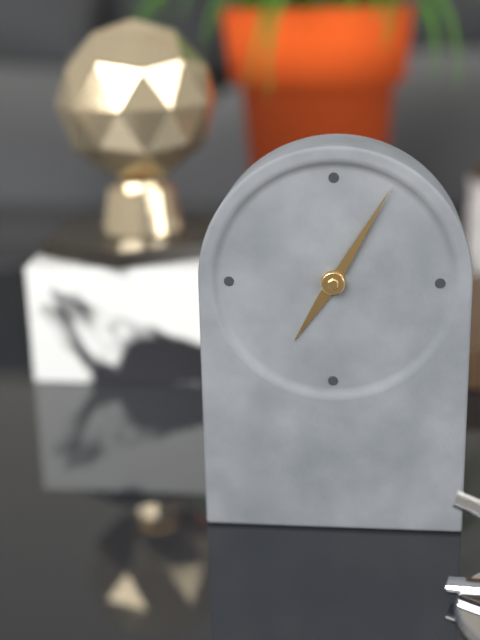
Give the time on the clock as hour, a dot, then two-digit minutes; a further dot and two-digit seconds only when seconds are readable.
7.05
